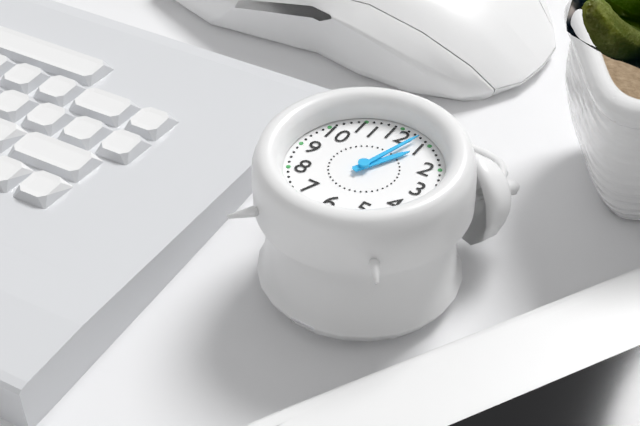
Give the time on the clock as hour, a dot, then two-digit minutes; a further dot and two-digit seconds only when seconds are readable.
1.03
